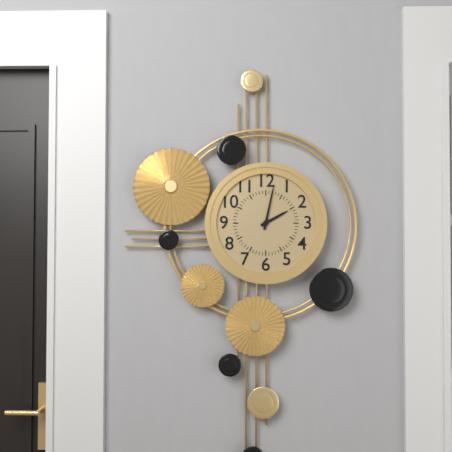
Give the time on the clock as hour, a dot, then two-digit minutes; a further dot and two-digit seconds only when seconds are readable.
2.02
